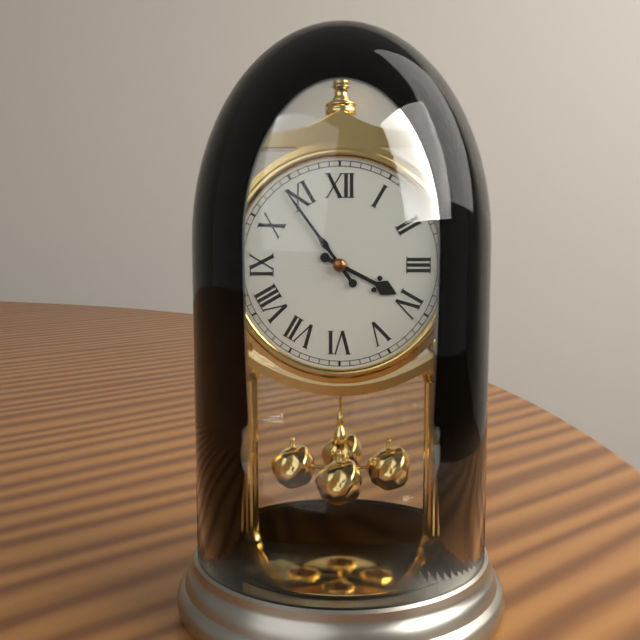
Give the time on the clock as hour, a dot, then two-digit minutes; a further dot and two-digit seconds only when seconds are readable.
3.54
